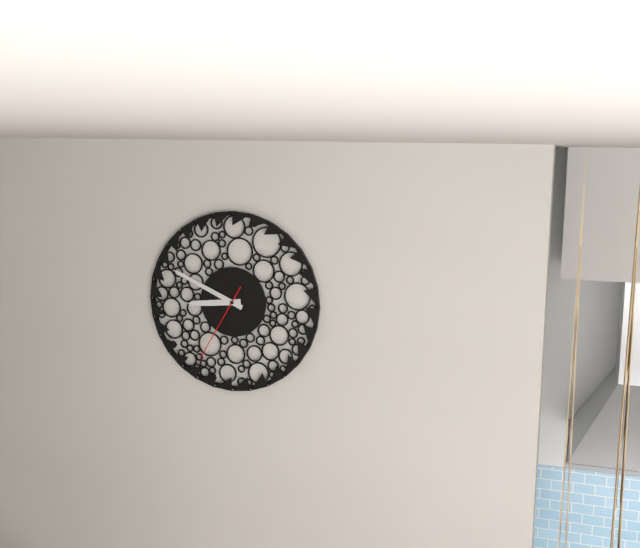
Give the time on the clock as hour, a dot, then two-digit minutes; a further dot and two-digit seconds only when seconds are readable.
8.49.35
